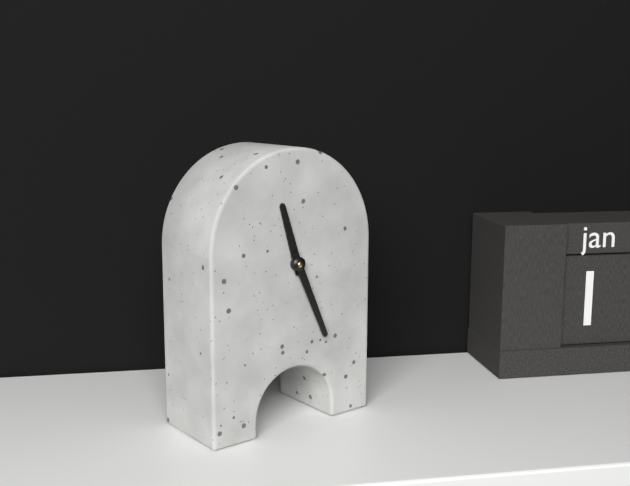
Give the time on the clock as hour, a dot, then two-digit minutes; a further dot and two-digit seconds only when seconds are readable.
11.26
